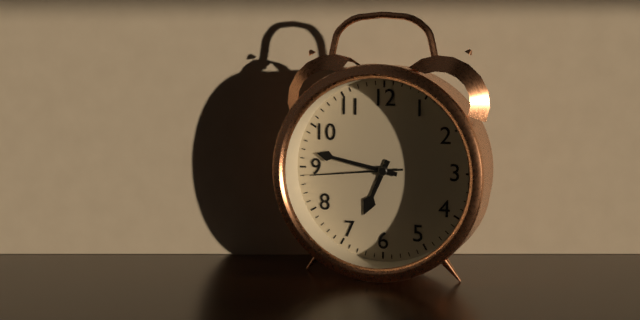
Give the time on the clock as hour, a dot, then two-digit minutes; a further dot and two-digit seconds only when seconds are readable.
6.47.44
